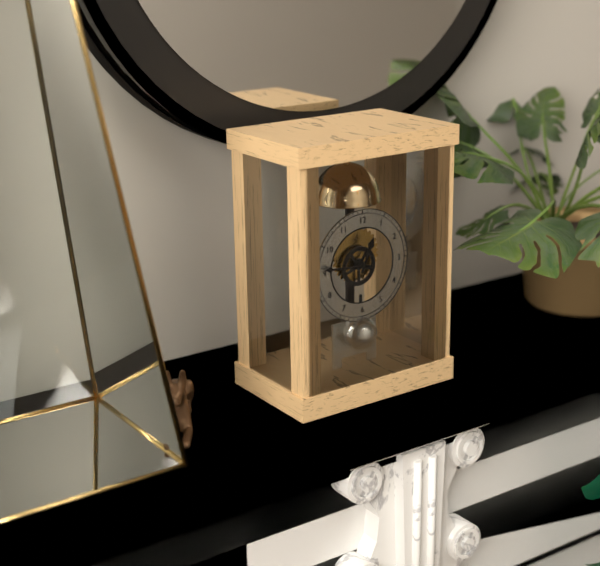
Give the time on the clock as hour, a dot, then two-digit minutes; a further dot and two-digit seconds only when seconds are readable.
12.46
